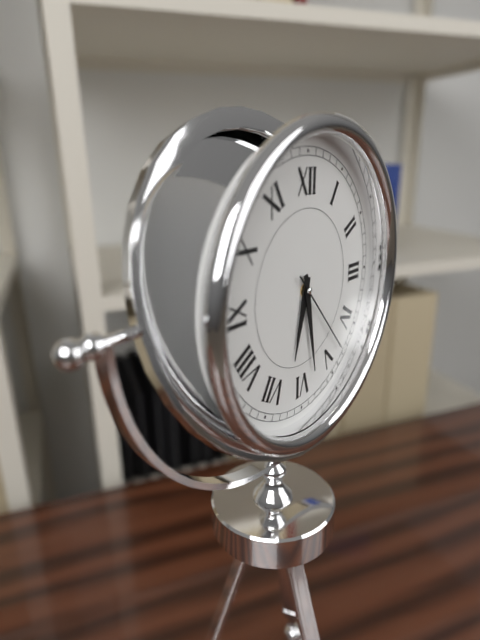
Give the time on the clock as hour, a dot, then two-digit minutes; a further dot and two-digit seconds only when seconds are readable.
6.28.23
